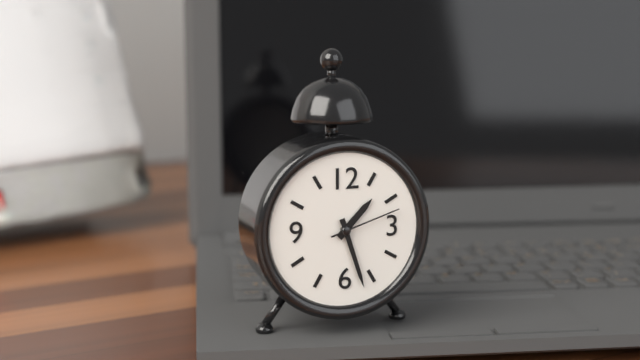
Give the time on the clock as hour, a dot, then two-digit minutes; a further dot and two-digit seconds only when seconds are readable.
1.27.12
